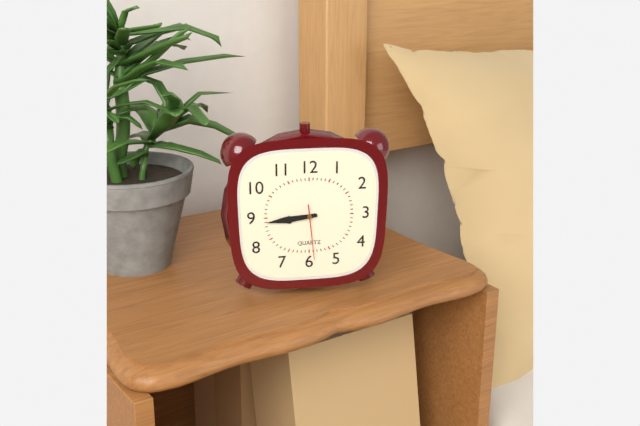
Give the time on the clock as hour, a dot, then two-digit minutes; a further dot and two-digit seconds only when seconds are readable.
8.44.29
